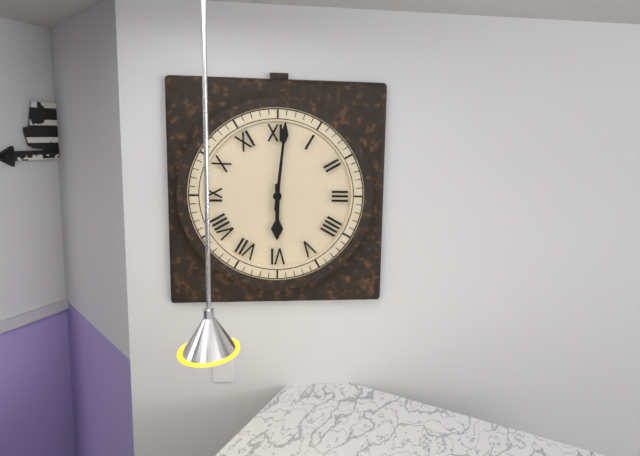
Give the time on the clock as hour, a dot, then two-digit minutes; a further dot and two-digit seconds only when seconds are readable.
6.01
